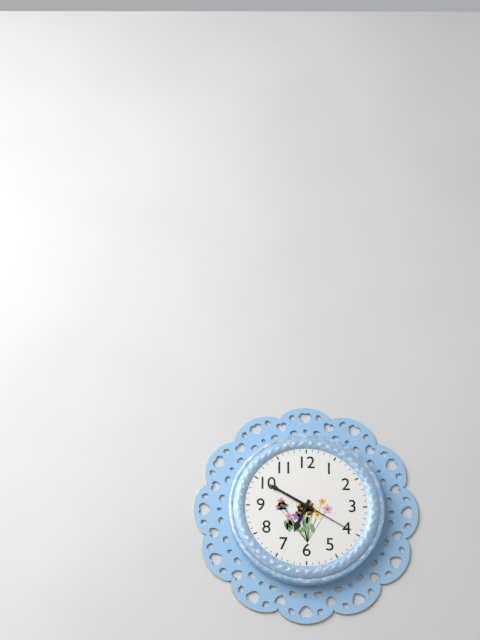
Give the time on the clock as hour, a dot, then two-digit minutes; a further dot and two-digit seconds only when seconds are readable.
6.50.20
